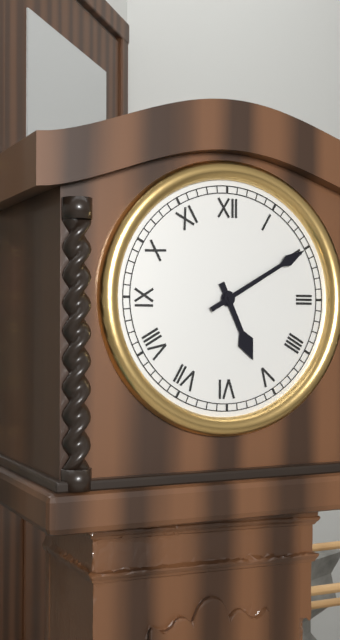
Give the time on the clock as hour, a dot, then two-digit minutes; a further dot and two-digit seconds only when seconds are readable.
5.10
